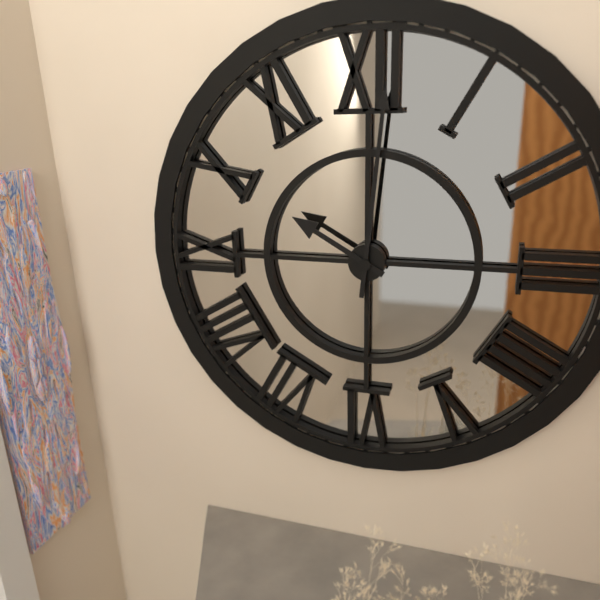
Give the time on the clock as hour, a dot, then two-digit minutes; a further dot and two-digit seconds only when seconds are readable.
10.01
